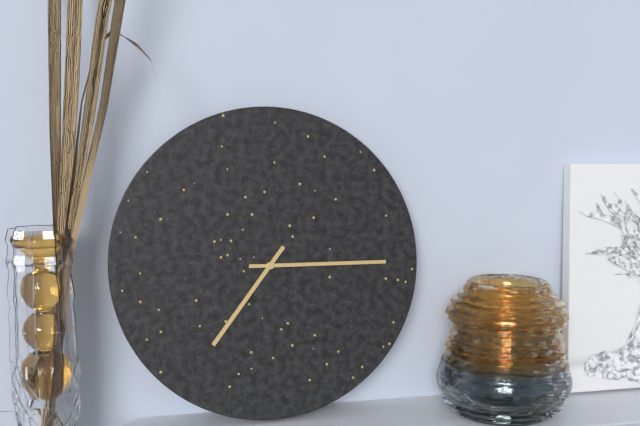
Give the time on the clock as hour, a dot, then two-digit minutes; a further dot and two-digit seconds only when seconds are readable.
7.15
